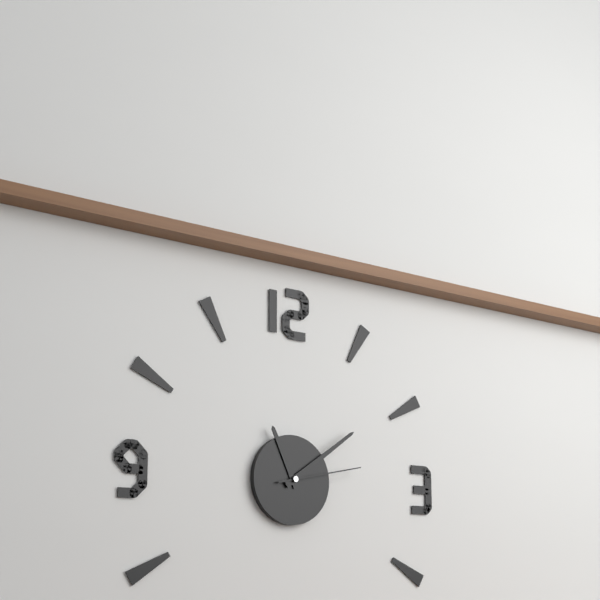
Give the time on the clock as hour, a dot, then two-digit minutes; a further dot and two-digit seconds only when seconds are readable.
11.09.13
